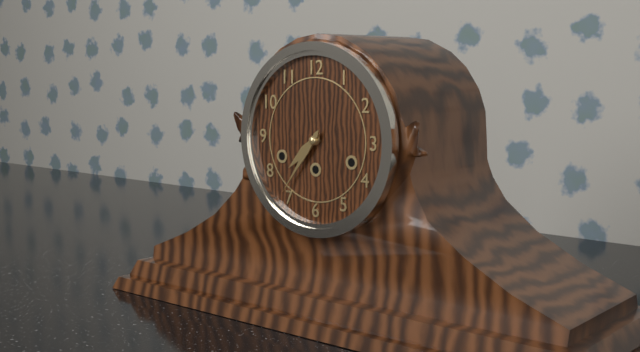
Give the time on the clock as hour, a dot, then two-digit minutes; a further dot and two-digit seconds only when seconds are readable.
7.36
